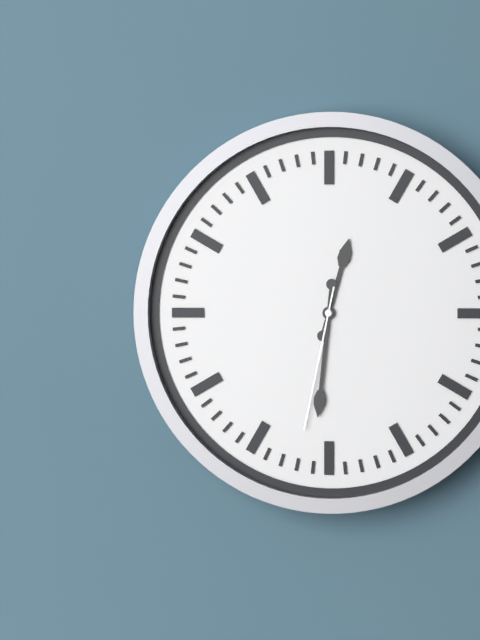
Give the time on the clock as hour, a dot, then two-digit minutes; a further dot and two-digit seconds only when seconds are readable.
12.31.32
